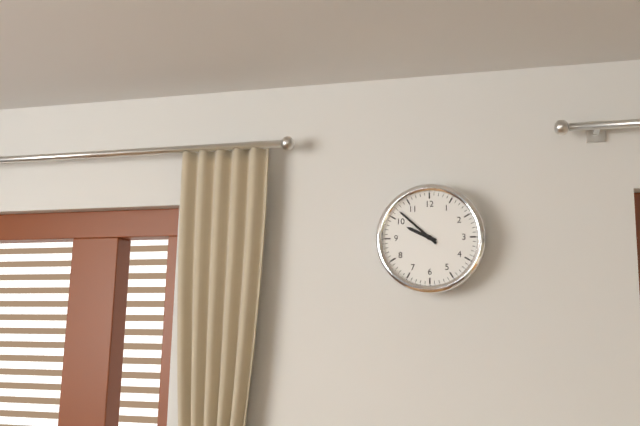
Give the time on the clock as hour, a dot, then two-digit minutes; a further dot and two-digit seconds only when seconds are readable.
9.52
